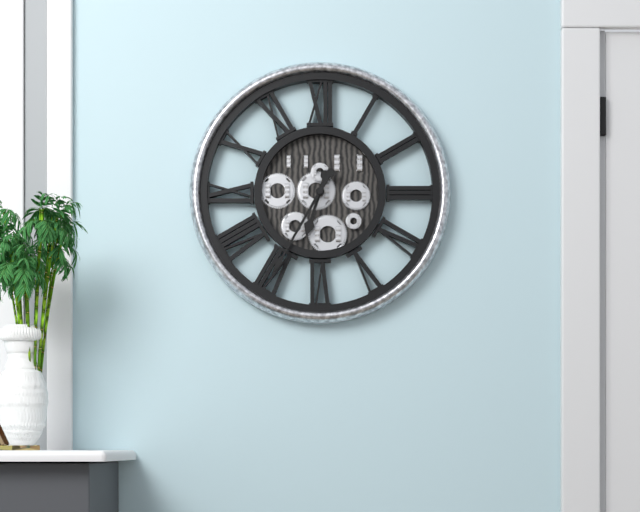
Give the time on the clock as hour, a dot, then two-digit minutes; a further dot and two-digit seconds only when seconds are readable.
6.35
